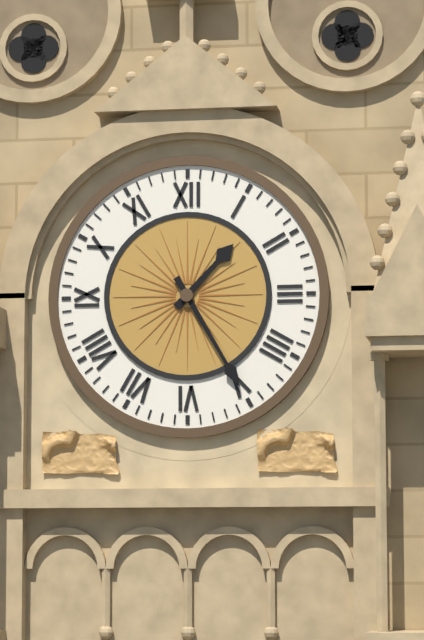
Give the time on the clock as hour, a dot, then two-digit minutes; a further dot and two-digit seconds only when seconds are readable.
1.25
